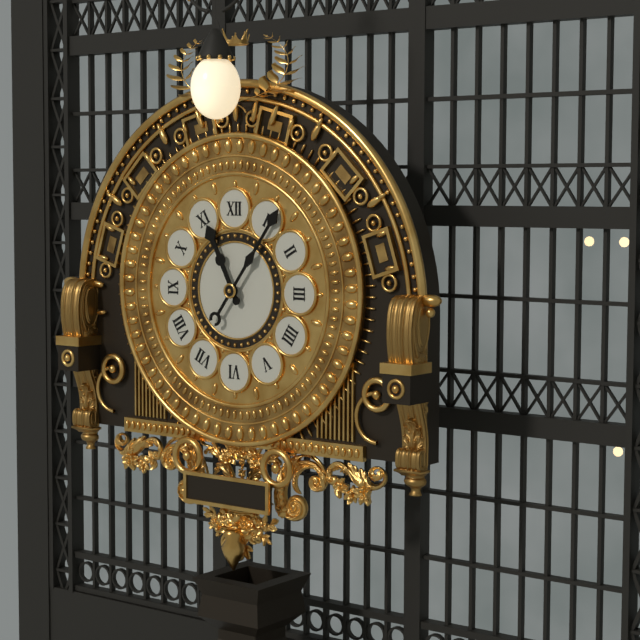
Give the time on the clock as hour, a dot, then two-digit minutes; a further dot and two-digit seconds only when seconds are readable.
11.06
